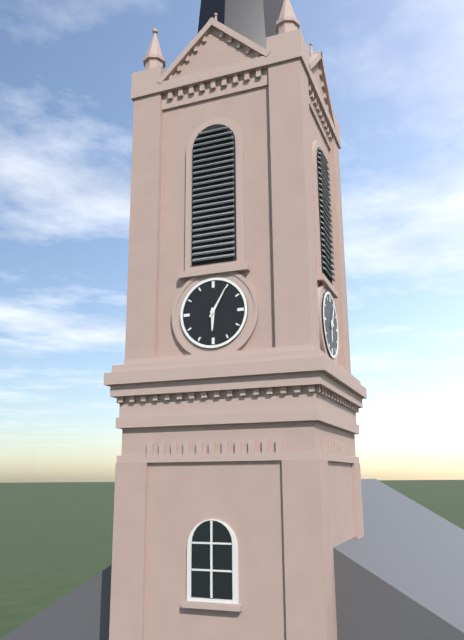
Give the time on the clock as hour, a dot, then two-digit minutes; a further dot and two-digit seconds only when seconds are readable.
6.05
